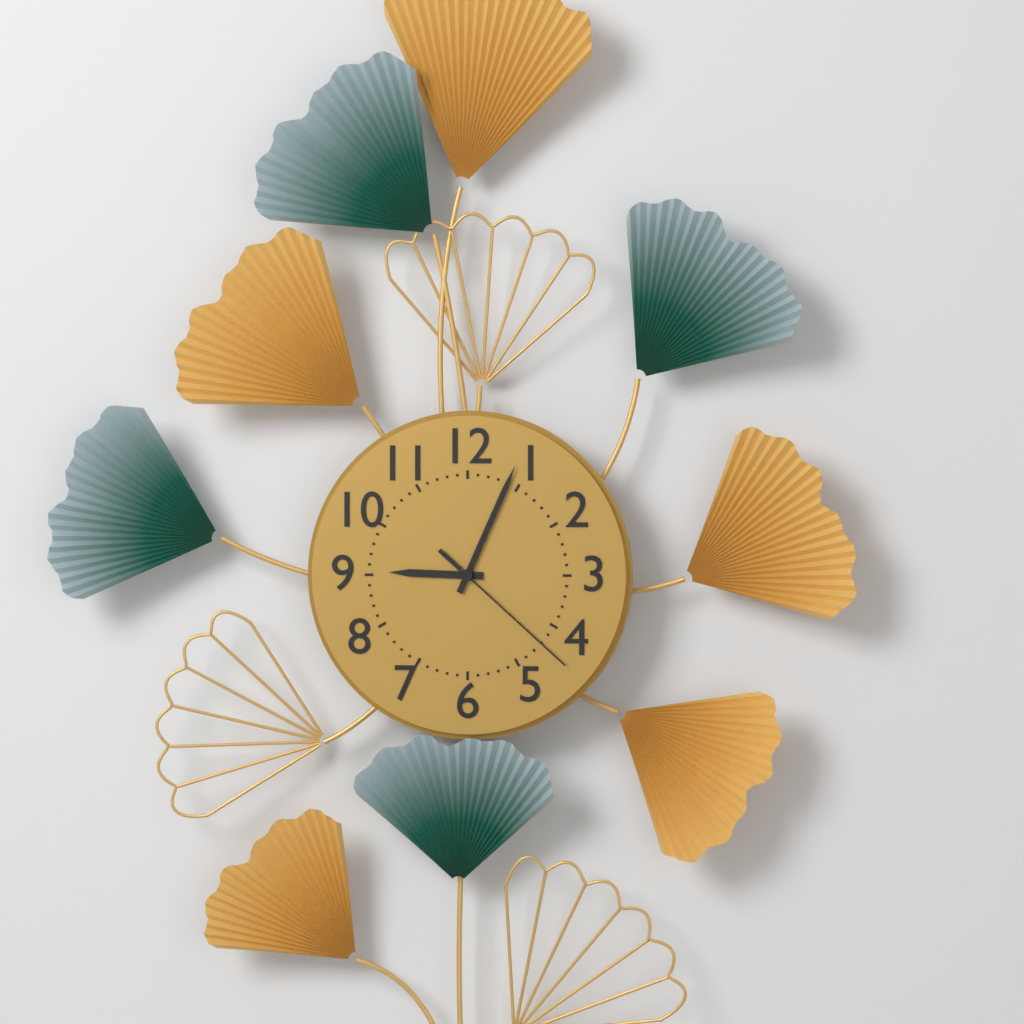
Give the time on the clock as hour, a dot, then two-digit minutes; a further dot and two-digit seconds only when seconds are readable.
9.04.22
